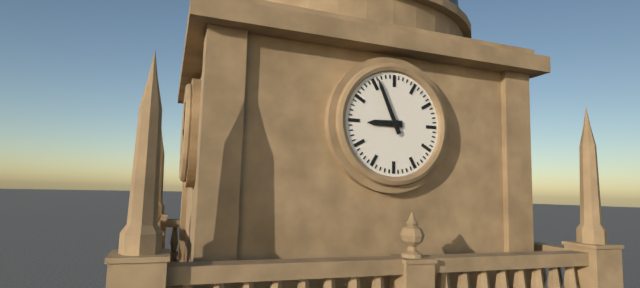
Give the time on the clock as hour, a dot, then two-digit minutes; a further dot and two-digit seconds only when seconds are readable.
8.56
